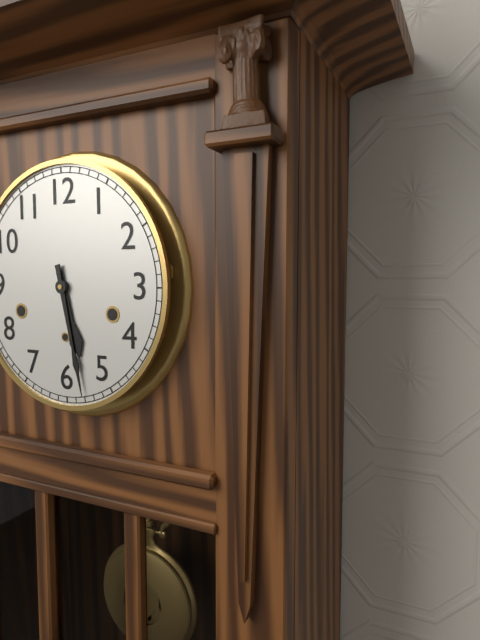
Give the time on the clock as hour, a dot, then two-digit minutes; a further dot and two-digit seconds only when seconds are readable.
5.28
